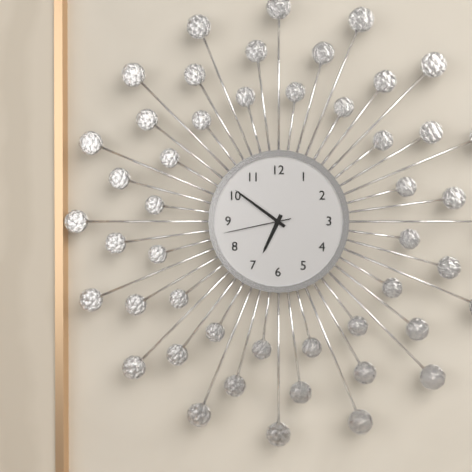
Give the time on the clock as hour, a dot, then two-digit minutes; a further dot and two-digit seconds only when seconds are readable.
6.51.43
